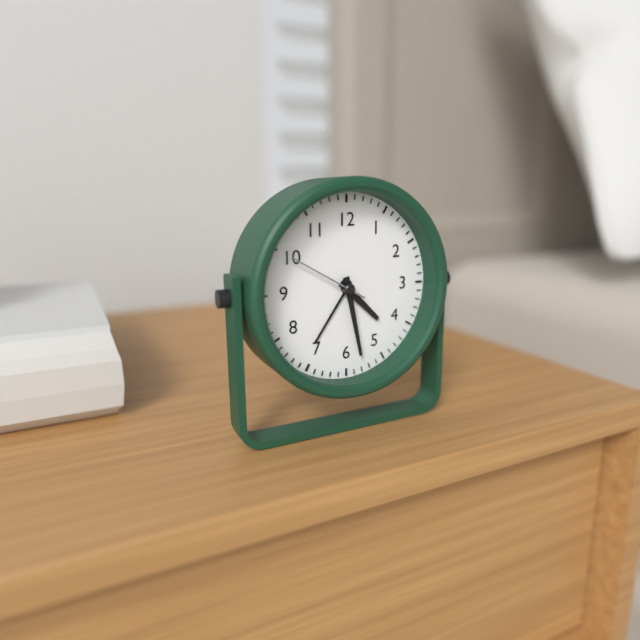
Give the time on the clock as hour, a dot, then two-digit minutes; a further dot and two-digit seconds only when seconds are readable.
4.28.50
